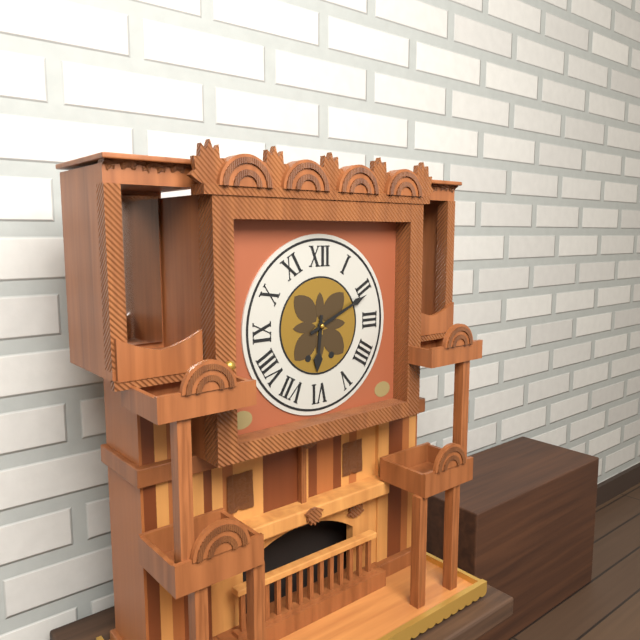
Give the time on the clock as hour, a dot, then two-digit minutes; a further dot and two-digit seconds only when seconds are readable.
6.11
